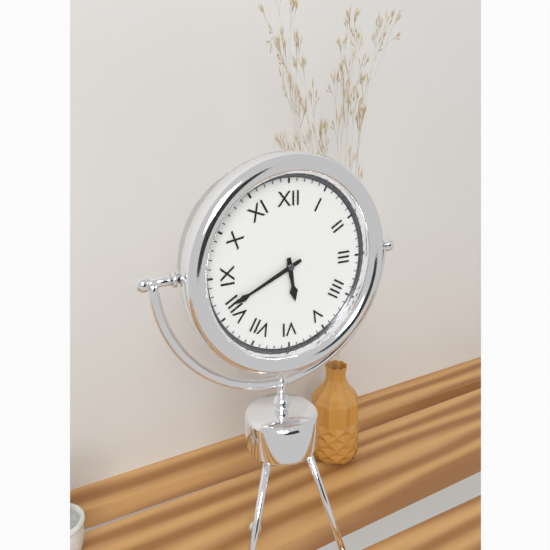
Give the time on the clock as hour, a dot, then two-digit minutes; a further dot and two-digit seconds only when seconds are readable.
5.41
